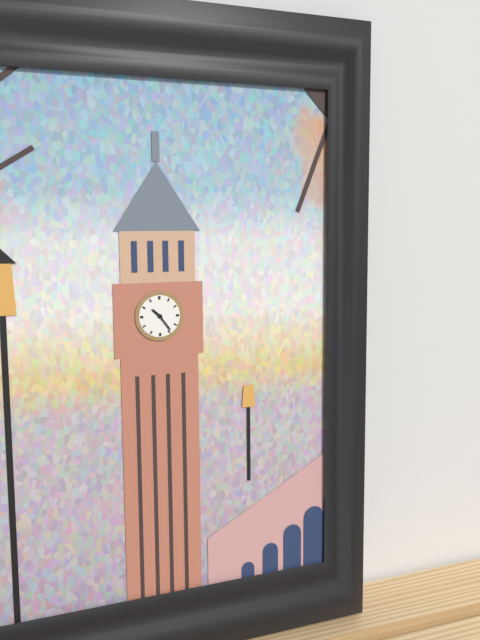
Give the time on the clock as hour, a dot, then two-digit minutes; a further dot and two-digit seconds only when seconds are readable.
10.24
